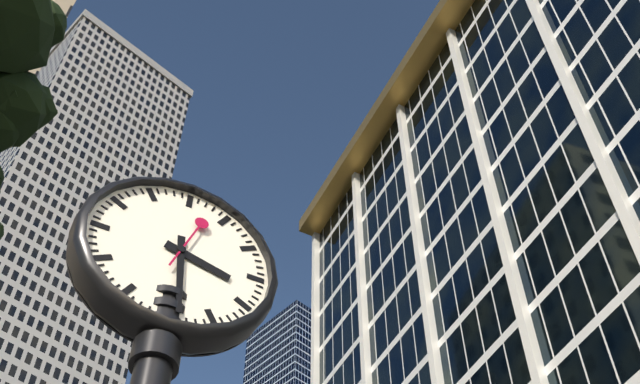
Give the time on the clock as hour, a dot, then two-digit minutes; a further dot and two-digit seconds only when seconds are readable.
3.29.03
